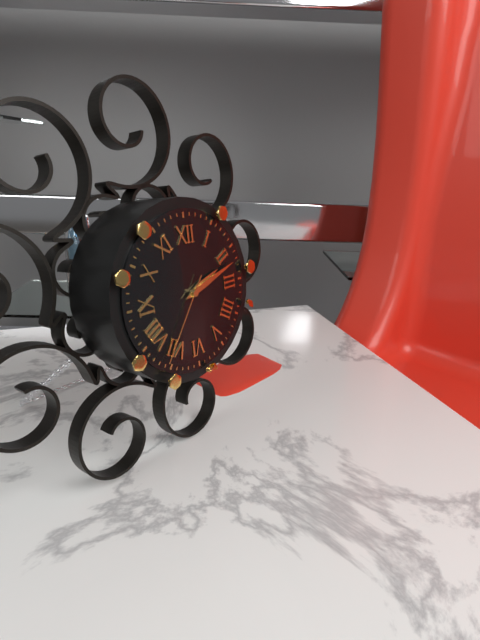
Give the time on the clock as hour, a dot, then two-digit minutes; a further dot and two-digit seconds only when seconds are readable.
2.12.36
